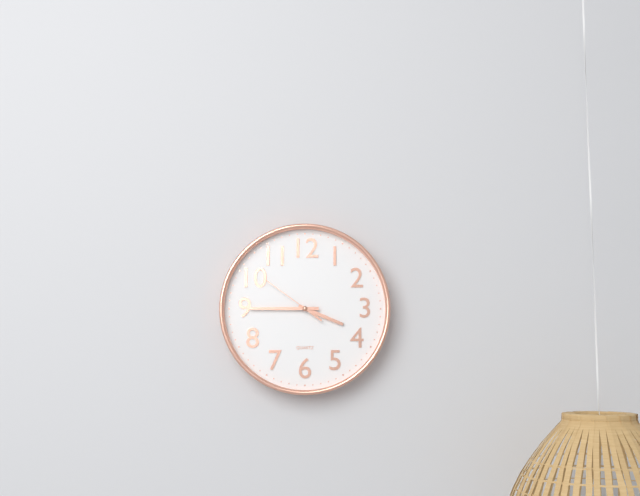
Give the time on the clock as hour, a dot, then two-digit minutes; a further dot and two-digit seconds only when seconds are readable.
3.45.51
